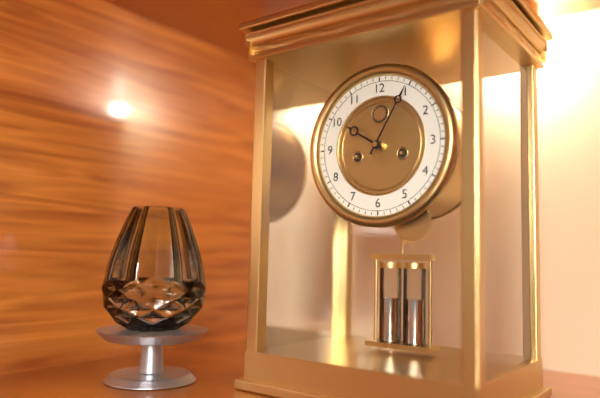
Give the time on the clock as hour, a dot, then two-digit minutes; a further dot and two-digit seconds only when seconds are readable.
10.05
